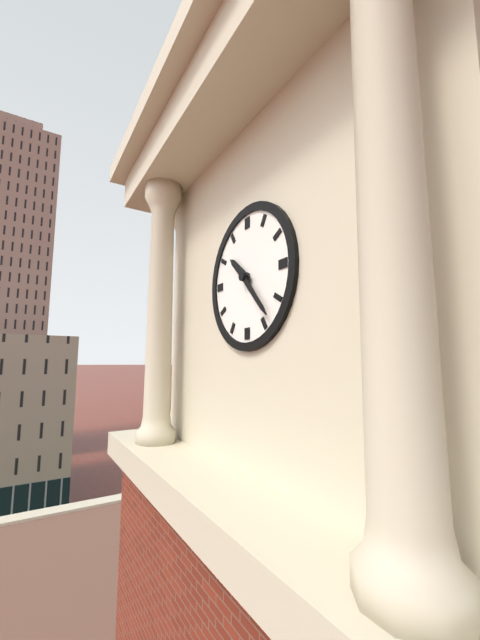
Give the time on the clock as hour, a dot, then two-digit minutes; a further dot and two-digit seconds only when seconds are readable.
10.23
